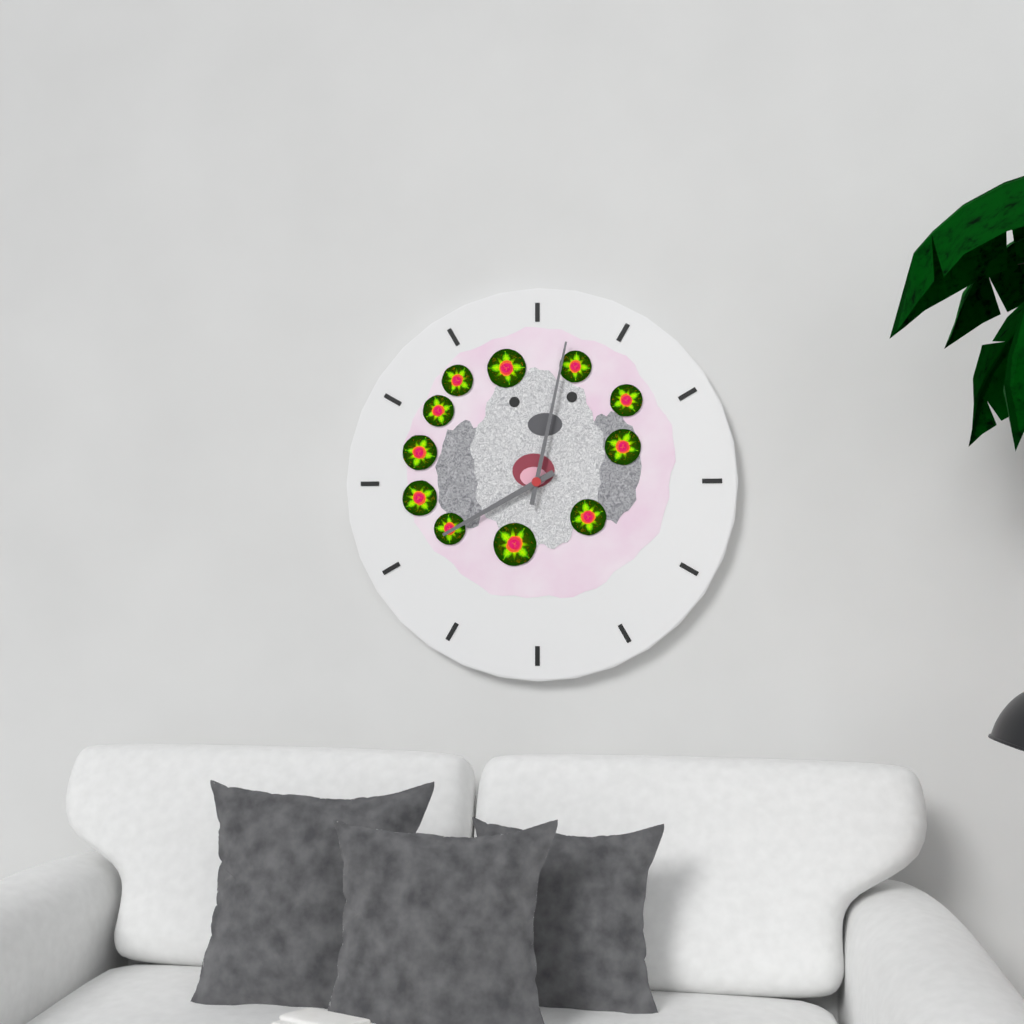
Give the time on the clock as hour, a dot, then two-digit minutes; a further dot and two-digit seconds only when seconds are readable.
8.02
